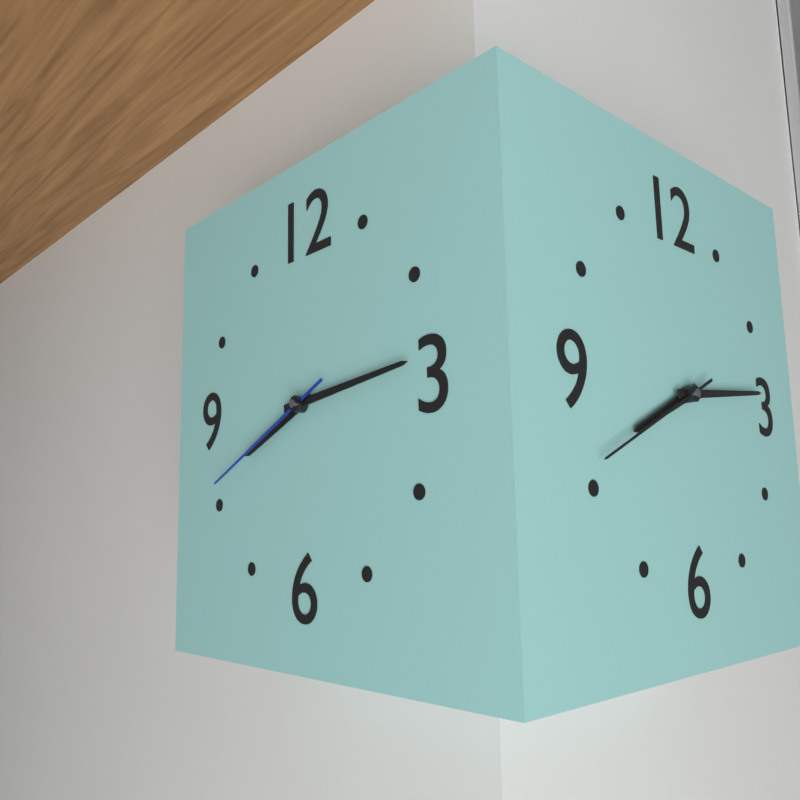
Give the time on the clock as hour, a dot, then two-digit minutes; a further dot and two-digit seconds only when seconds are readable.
8.14.41
